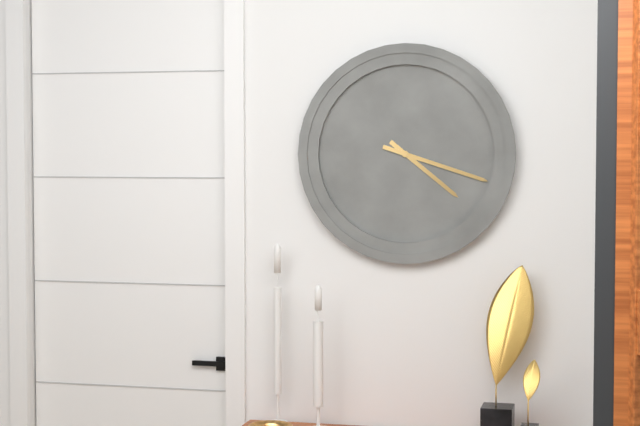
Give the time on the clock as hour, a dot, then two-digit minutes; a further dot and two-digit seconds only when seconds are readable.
4.18
